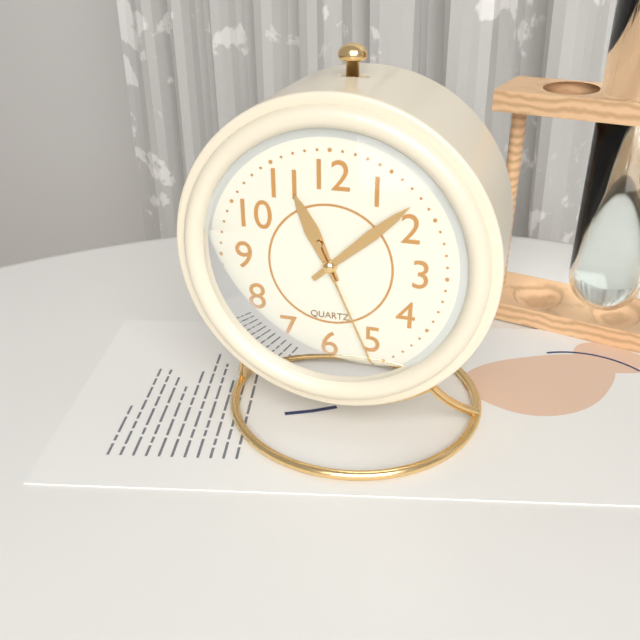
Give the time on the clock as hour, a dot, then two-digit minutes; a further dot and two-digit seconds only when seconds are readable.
11.08.26
